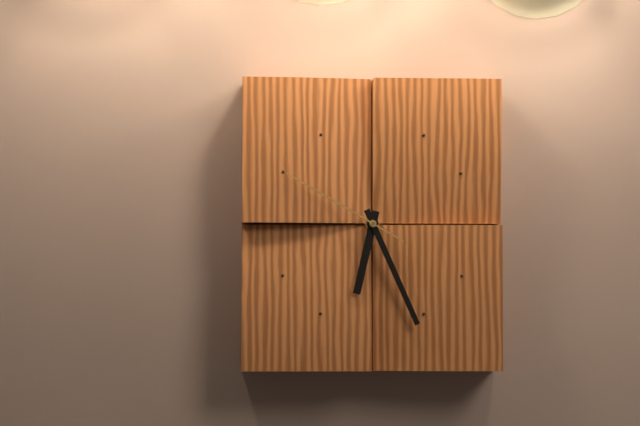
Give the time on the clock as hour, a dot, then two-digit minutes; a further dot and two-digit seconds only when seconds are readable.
6.26.50
